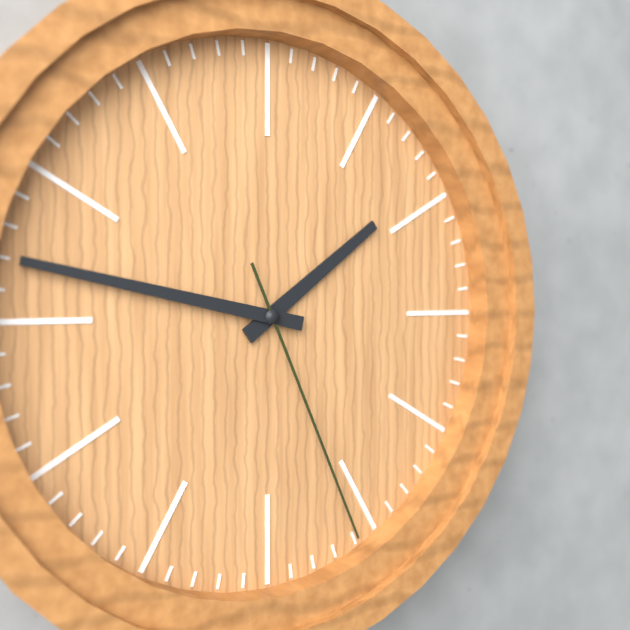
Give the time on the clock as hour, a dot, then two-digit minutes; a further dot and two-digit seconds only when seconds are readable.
1.47.26
